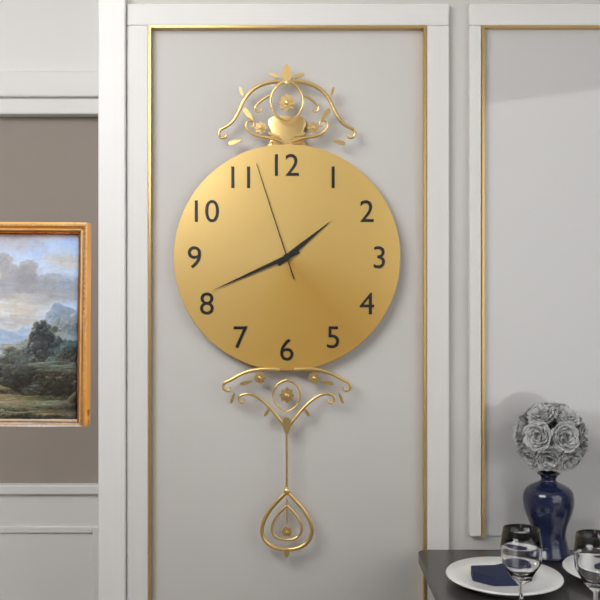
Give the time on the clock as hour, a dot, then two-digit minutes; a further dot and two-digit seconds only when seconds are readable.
1.41.57
